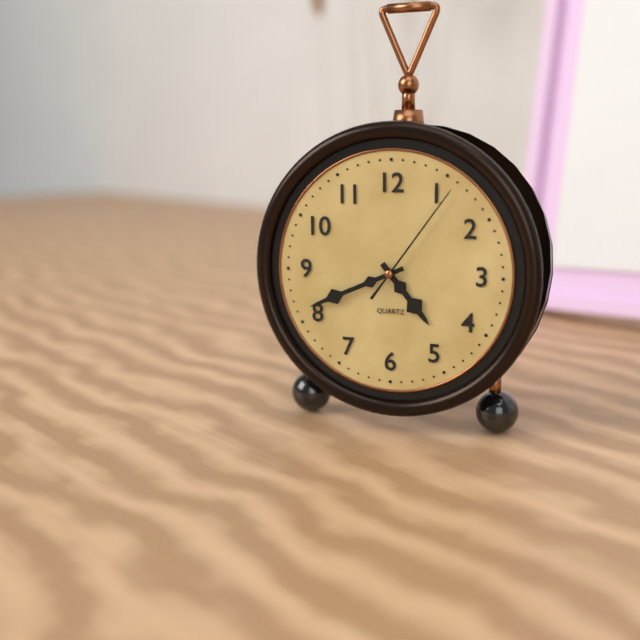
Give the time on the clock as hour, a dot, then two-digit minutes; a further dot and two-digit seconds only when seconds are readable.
4.41.06
